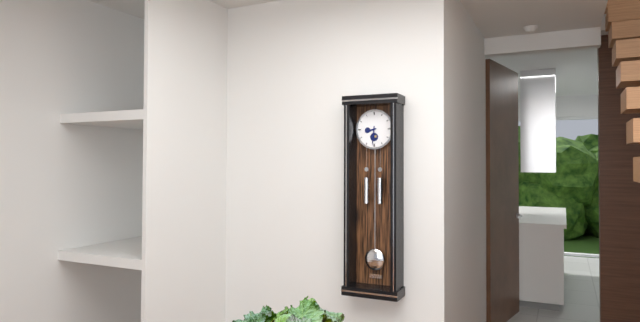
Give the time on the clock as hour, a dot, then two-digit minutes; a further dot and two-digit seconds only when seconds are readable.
8.31
